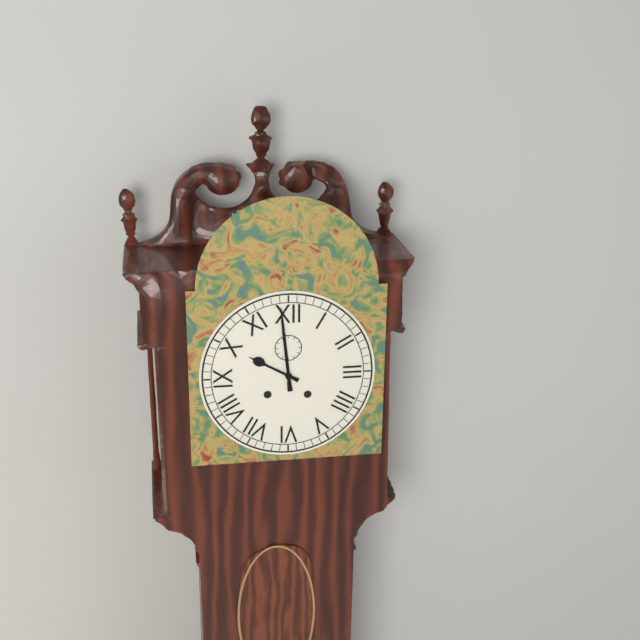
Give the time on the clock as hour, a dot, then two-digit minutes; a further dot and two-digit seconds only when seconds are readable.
9.59
